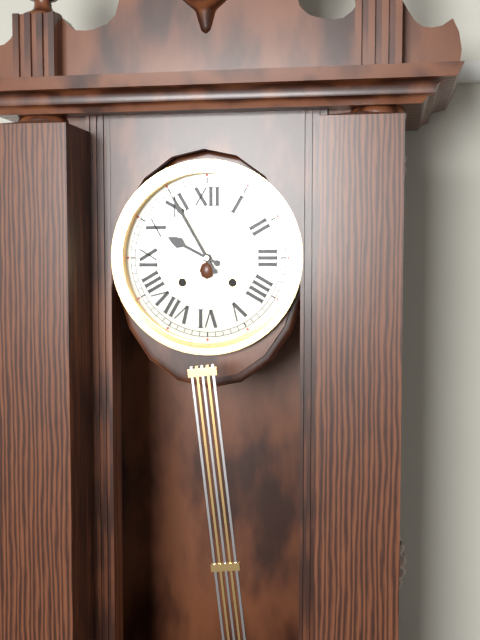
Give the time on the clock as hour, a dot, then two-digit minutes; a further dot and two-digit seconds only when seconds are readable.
9.55
